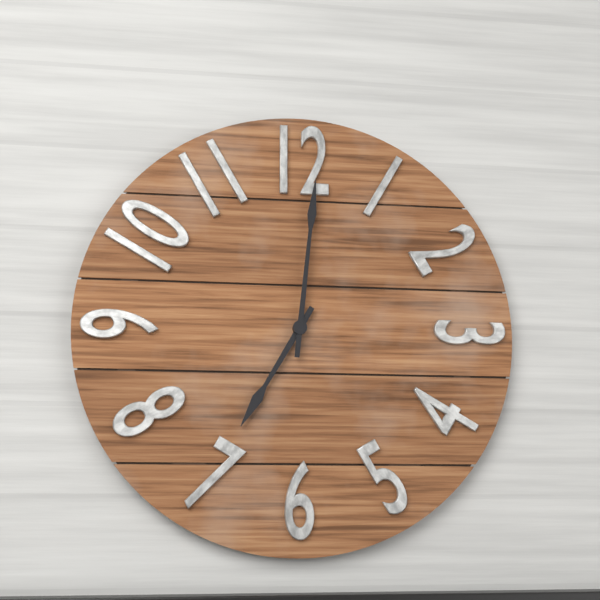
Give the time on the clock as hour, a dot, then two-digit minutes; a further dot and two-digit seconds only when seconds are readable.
7.01
